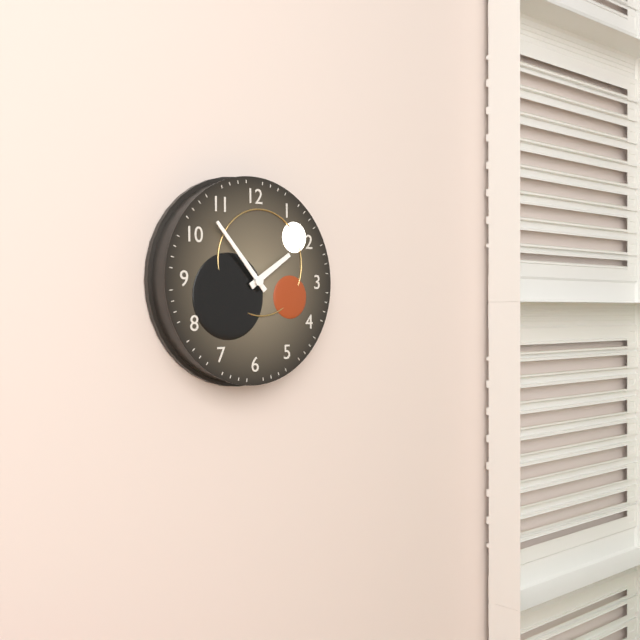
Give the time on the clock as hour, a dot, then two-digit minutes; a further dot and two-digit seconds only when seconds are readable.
1.53
